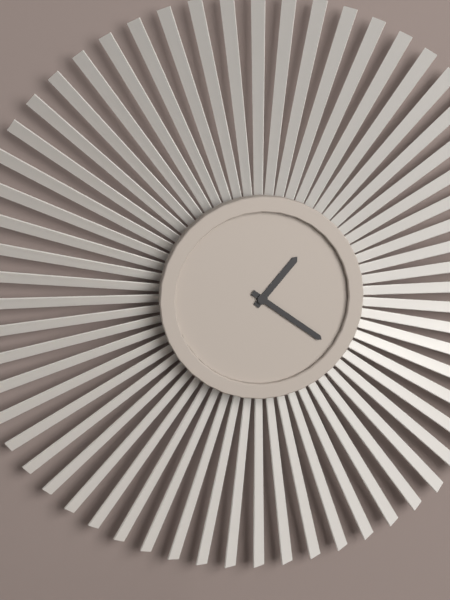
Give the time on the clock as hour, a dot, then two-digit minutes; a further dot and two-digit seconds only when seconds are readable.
1.21
